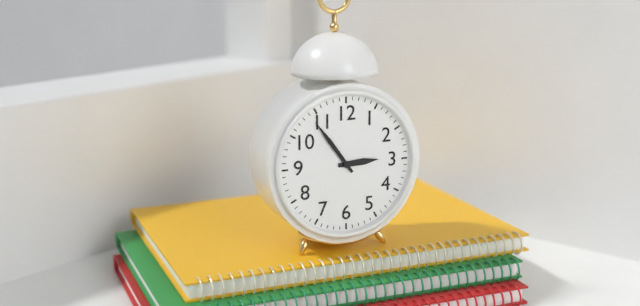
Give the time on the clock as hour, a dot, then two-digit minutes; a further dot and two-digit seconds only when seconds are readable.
2.54
